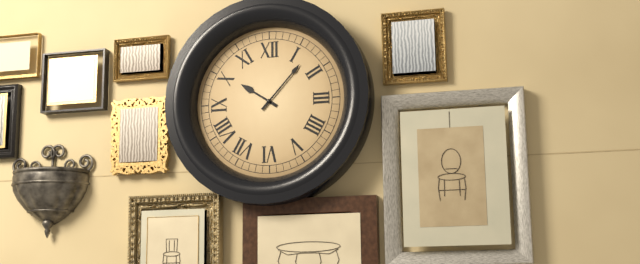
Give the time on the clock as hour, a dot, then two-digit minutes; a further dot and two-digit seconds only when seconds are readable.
10.07
